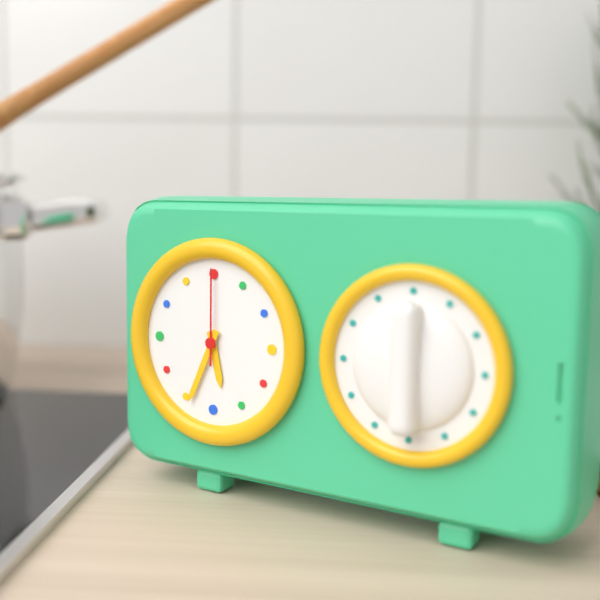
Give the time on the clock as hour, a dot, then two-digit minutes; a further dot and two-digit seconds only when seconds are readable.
5.34.00
